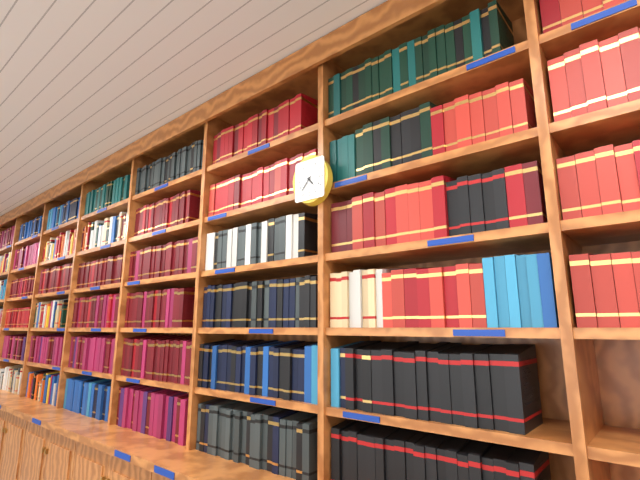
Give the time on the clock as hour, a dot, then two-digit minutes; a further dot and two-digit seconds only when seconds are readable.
4.37
